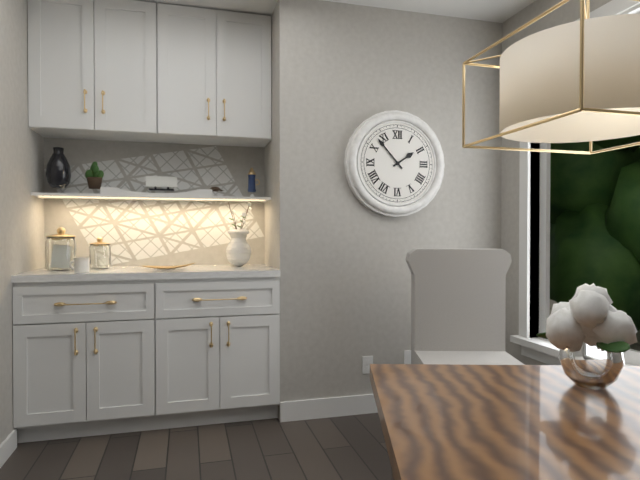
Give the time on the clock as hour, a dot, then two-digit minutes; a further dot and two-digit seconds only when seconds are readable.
1.53
